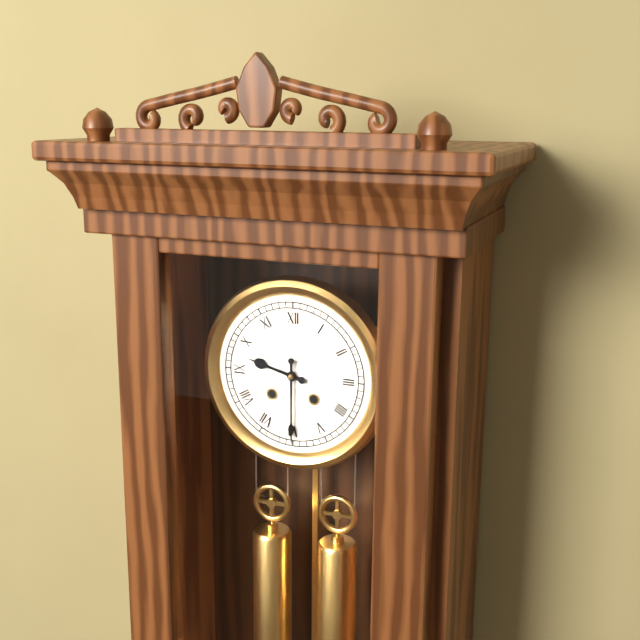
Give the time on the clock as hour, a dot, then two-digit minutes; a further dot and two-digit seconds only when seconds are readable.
9.30
